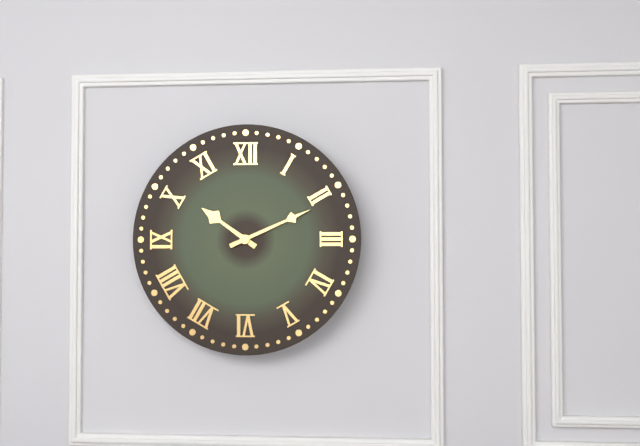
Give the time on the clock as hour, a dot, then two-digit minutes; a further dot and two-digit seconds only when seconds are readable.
10.11
